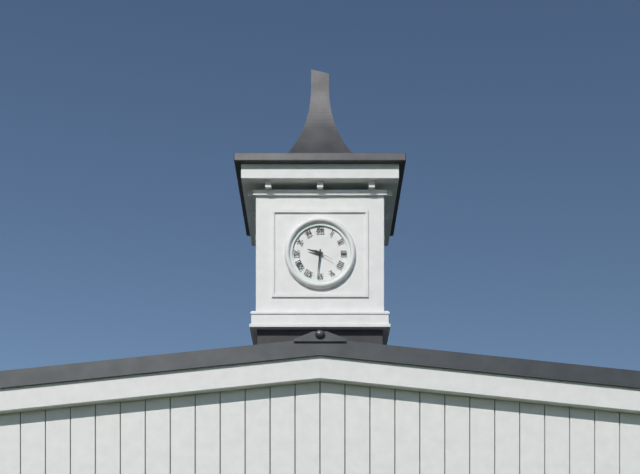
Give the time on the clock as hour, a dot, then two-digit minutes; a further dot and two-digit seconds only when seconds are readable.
9.31
